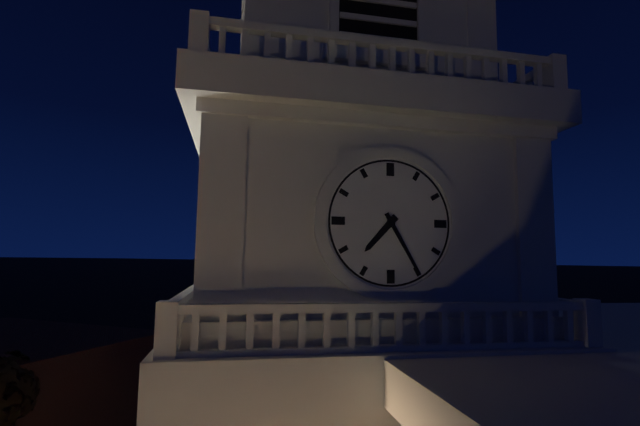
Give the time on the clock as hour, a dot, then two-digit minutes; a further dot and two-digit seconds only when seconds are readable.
7.25
